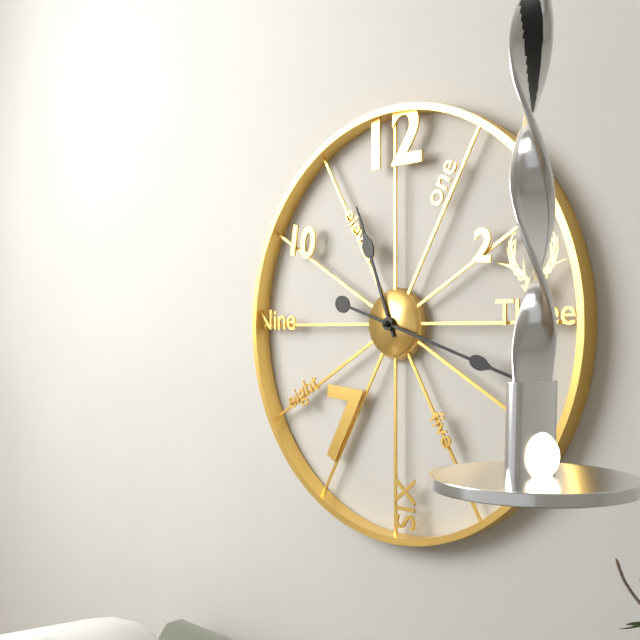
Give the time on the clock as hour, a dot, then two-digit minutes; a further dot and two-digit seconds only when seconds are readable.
11.18
